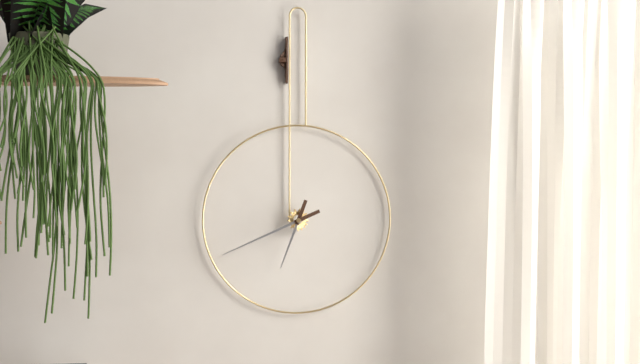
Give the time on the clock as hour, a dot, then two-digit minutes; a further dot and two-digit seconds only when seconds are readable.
6.41
